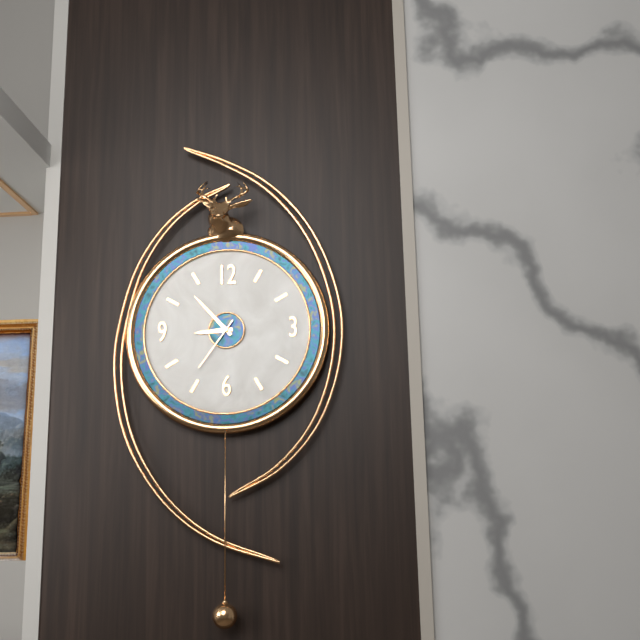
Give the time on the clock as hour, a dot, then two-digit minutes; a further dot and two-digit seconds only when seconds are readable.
8.53.36
